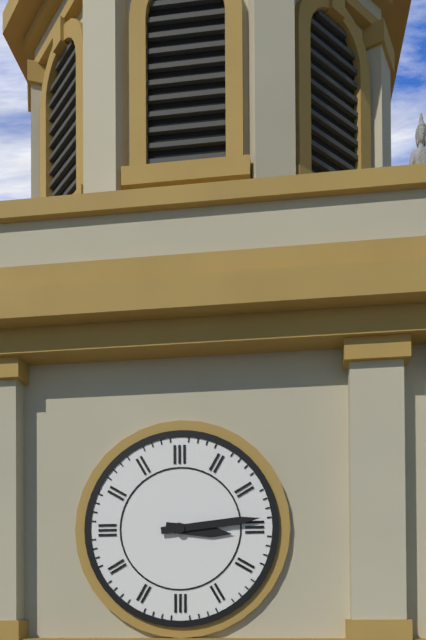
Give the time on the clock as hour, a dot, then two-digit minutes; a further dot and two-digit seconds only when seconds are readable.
3.14
